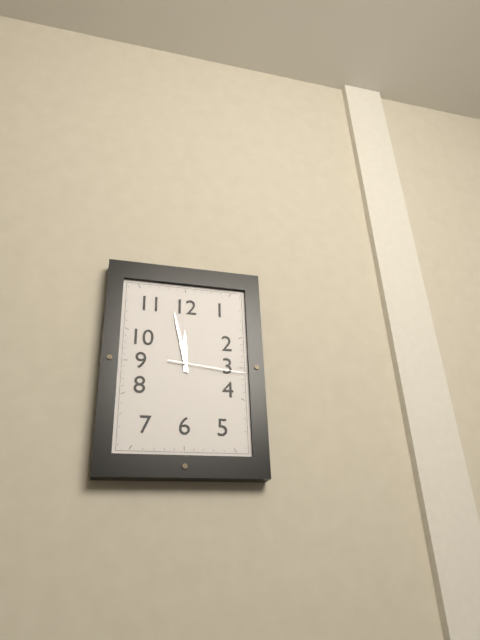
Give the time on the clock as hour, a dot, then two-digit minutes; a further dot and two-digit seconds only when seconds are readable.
11.58.16
